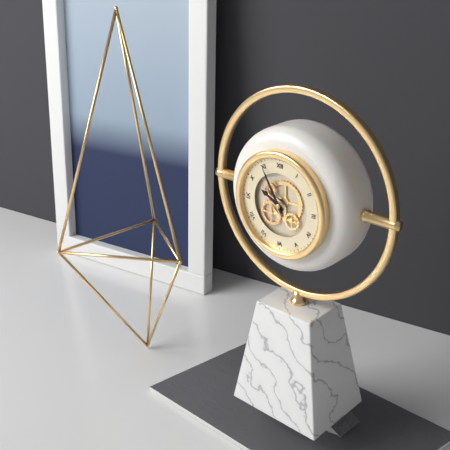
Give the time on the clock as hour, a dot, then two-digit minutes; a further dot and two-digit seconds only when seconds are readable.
9.55
